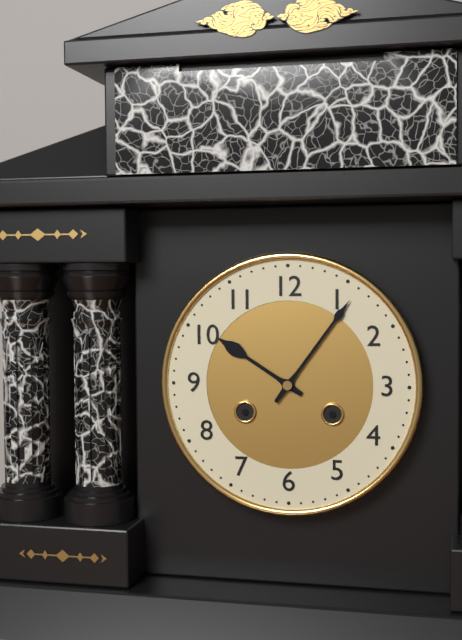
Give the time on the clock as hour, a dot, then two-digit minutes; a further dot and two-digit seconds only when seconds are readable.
10.06
